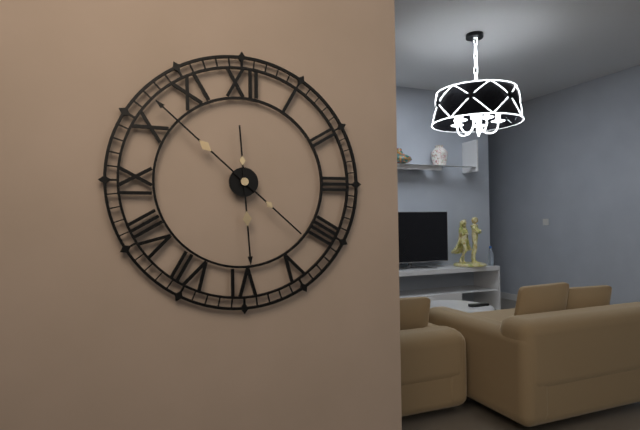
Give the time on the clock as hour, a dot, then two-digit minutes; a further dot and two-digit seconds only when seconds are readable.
5.52
